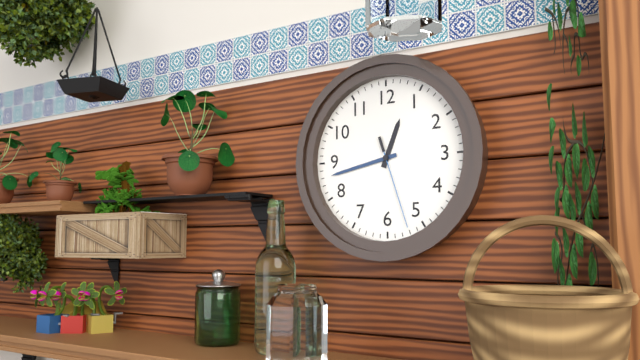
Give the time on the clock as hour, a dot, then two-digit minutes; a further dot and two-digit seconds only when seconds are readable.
12.43.27
